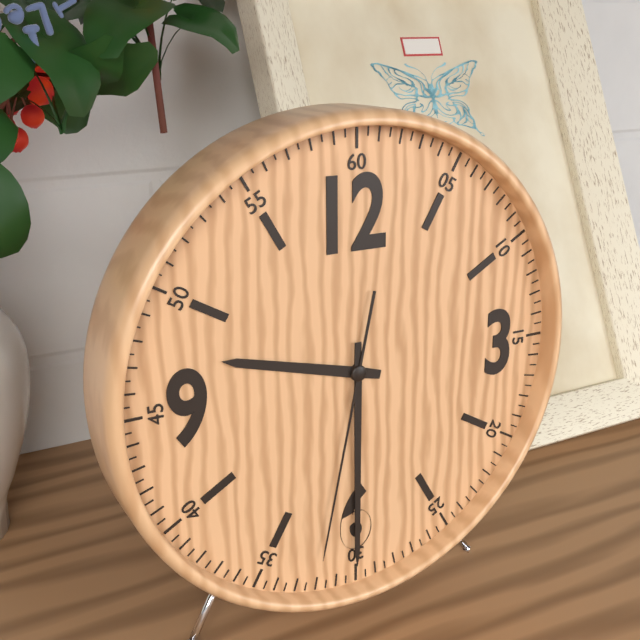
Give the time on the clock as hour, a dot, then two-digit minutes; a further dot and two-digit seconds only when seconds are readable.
9.30.32
